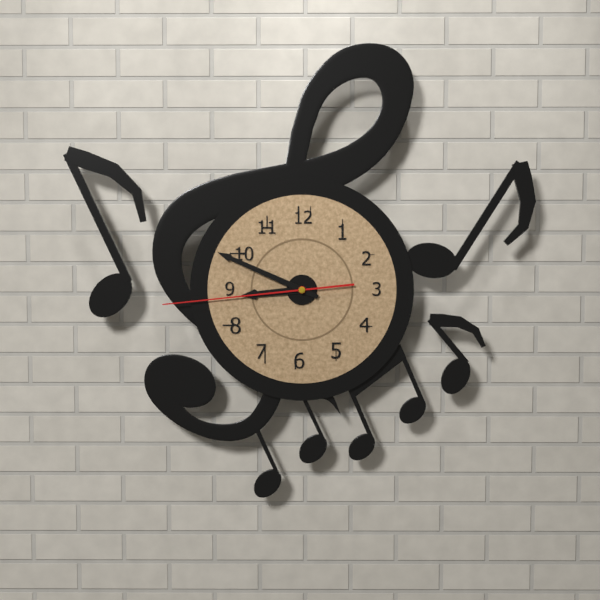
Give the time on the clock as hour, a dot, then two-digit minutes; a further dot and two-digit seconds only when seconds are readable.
8.49.44
